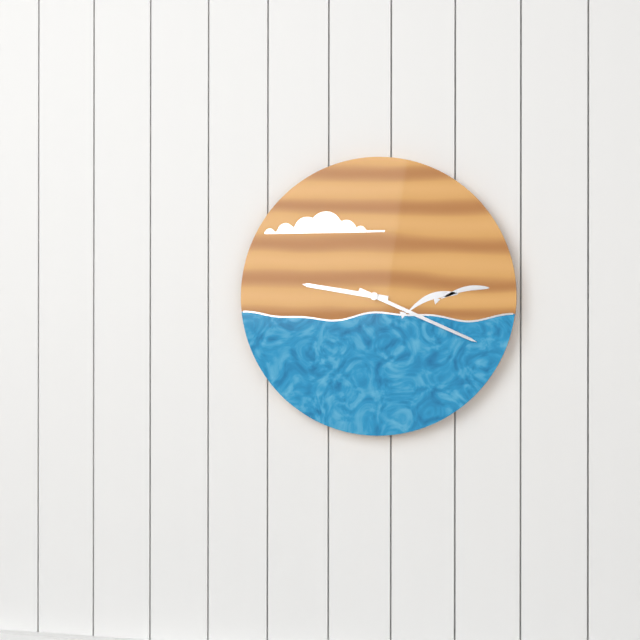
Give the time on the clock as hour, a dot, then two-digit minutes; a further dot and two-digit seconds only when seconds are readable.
9.19
